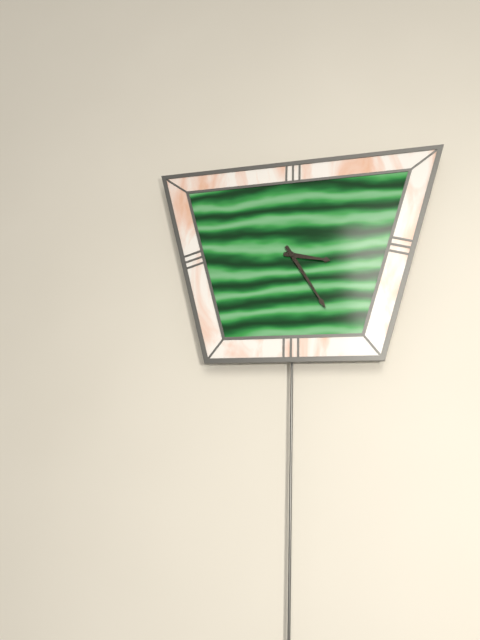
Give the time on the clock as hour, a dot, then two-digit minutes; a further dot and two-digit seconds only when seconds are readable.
3.25
